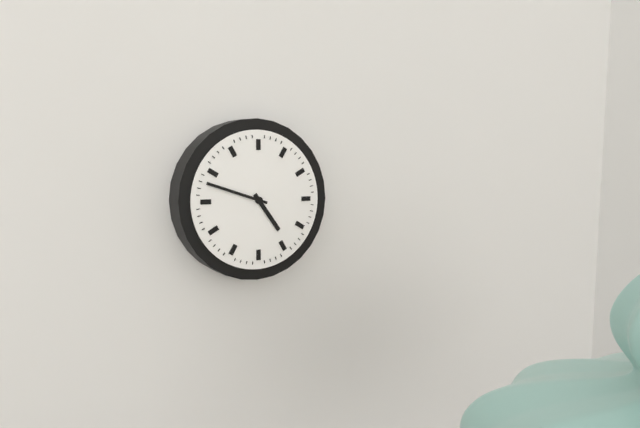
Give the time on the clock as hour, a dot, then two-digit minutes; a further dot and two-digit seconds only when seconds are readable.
4.48
